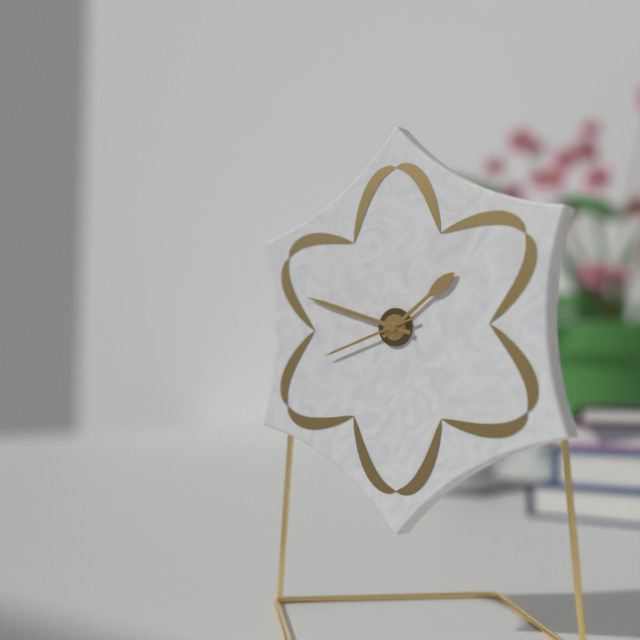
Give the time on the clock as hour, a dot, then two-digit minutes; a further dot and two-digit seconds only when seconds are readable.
1.48.42
